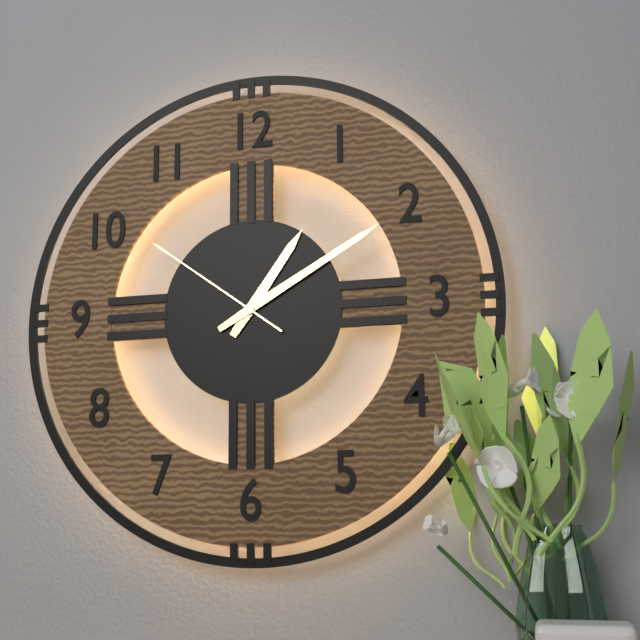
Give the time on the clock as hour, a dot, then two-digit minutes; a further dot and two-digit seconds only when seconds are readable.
1.10.51
